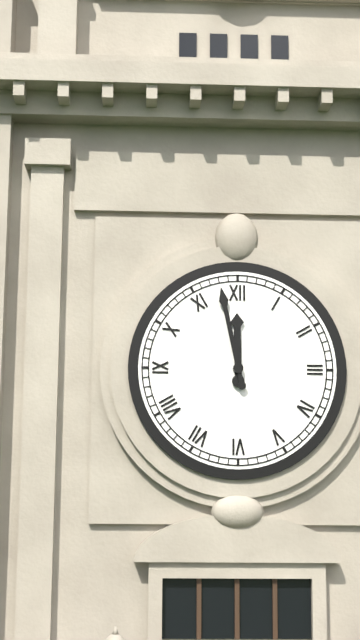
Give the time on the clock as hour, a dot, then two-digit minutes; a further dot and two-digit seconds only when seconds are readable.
11.58
